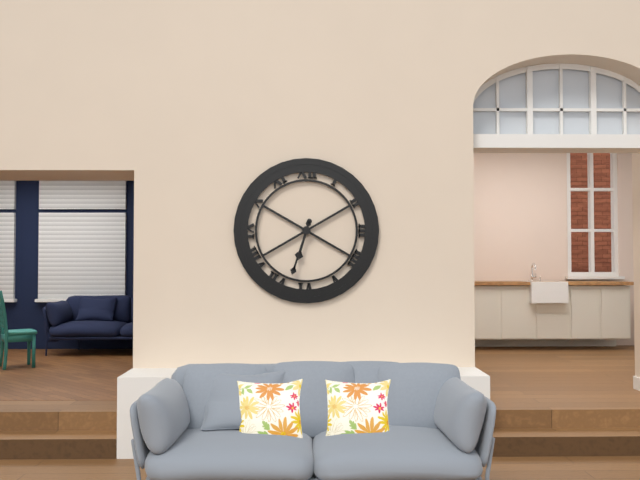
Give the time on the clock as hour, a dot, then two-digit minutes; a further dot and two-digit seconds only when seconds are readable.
6.33
